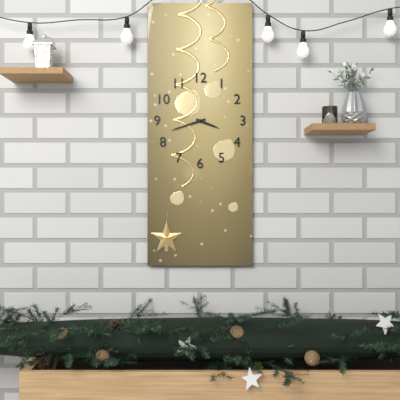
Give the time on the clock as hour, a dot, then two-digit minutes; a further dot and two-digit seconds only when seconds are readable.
3.42
